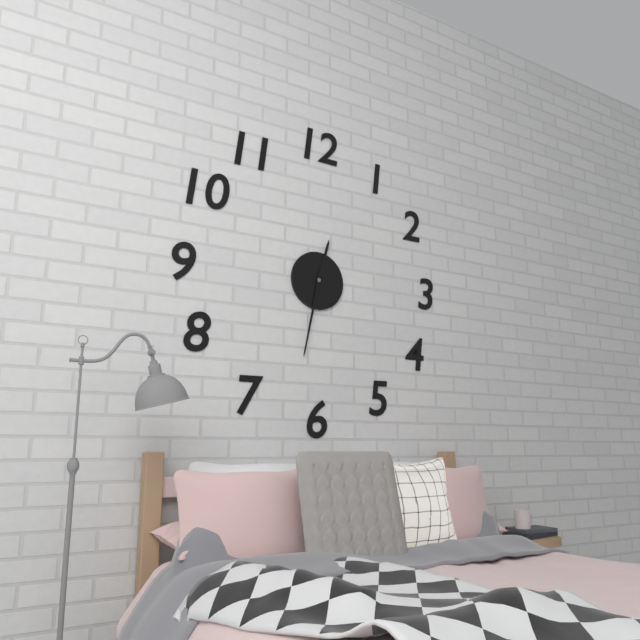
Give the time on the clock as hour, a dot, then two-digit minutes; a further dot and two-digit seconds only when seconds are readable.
12.32
